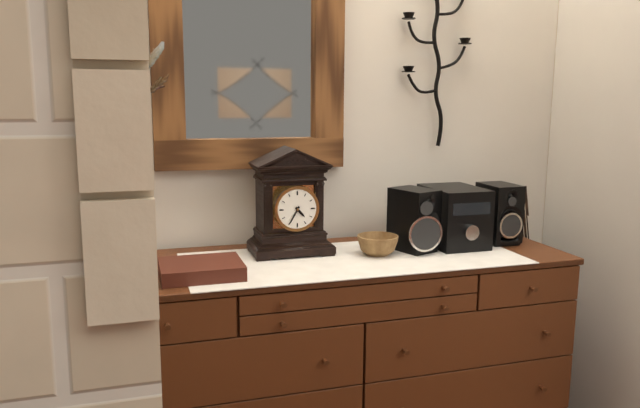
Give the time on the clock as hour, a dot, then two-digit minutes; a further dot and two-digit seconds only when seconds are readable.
4.35
